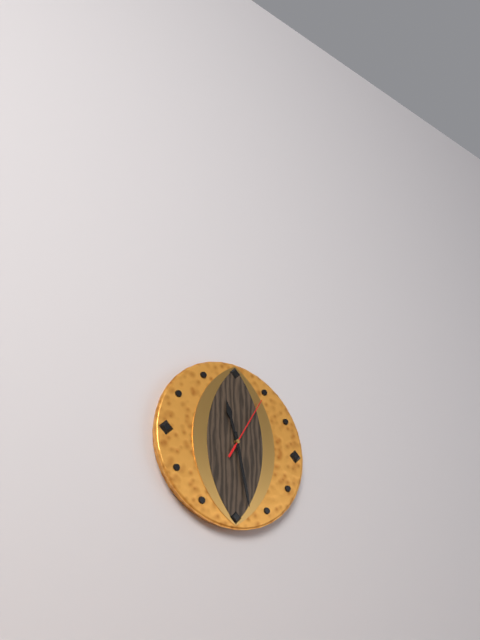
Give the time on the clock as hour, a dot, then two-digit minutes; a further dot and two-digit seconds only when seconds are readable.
11.28.05
